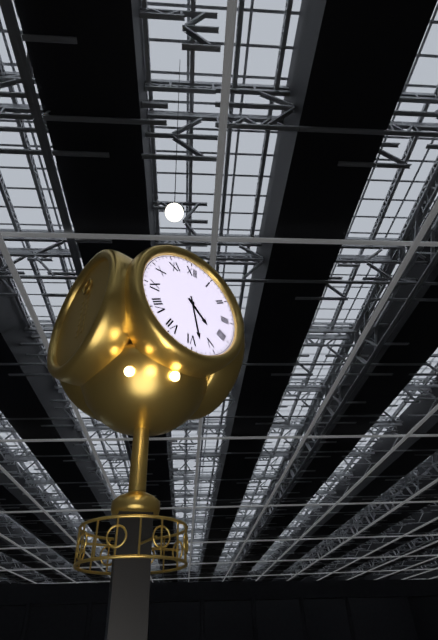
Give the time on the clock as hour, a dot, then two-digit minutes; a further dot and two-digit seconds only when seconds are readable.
4.28
